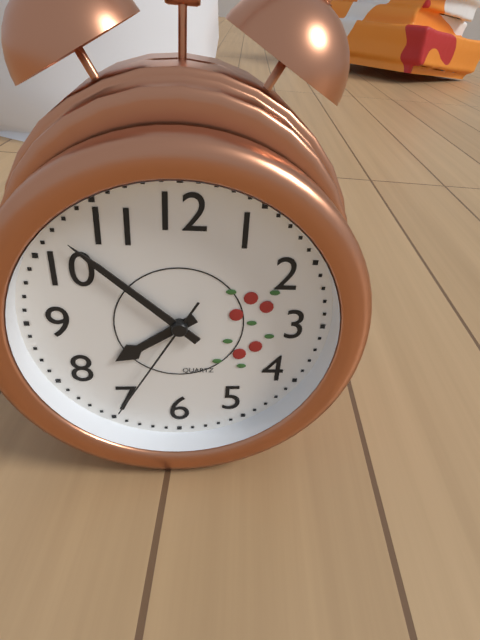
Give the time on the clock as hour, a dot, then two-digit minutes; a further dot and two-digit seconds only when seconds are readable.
7.52.35
